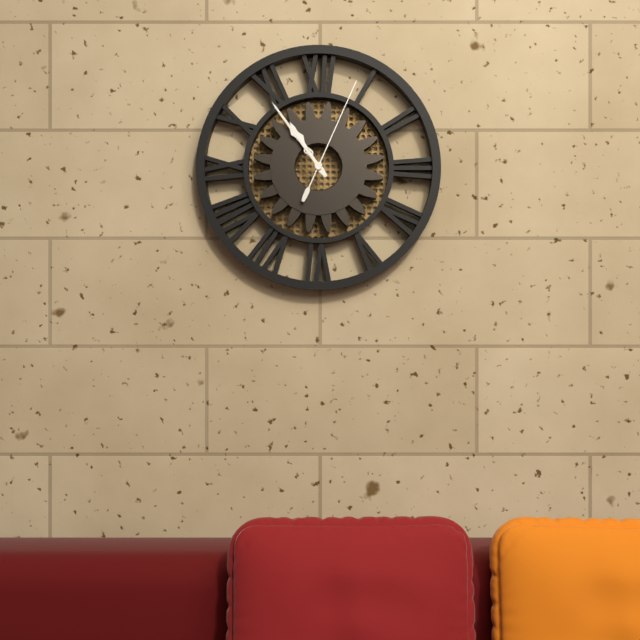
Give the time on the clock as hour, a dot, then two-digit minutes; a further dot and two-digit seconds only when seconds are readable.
10.54.04
